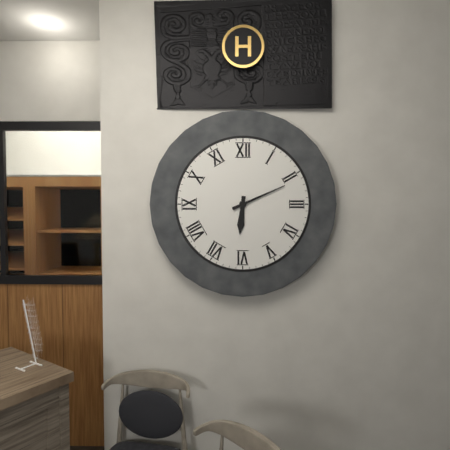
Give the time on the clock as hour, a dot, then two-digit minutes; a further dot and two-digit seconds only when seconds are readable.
6.11
